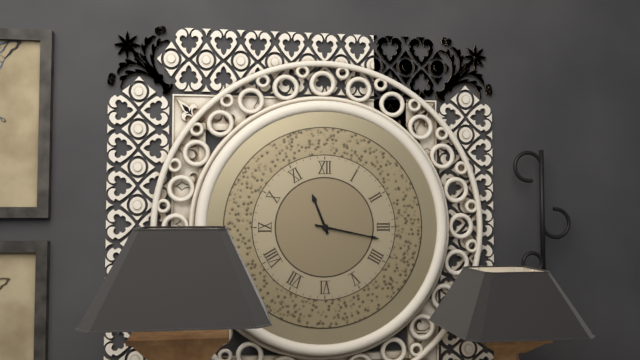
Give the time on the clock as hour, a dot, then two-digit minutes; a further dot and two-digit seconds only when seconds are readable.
11.17
